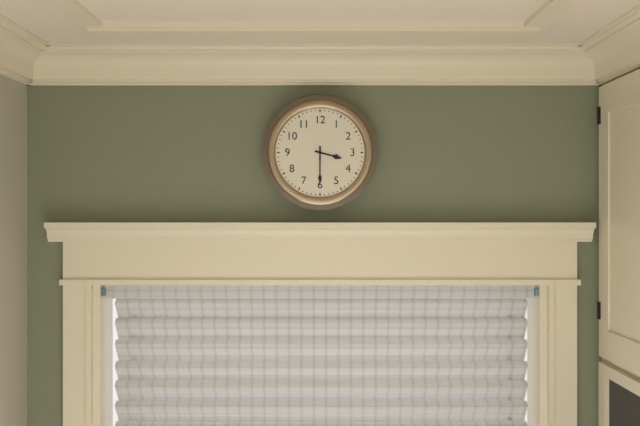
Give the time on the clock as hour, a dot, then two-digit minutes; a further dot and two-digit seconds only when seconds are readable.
3.30
